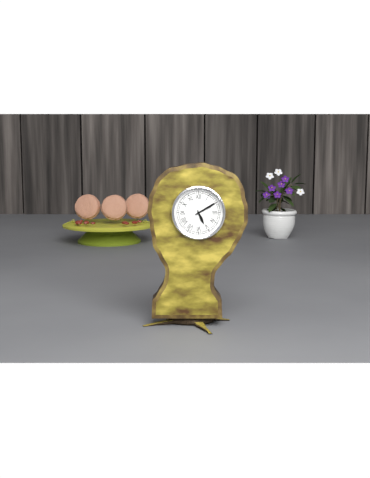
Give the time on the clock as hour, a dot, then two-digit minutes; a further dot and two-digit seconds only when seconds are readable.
5.10
